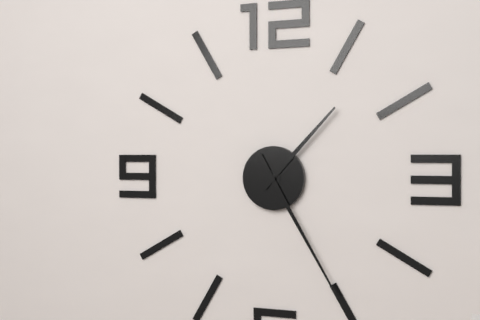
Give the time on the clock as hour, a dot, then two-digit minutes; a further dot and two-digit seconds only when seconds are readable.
1.25
